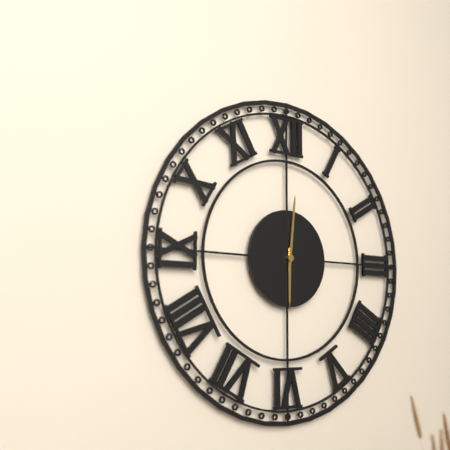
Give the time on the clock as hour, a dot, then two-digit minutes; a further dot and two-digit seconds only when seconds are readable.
6.01
